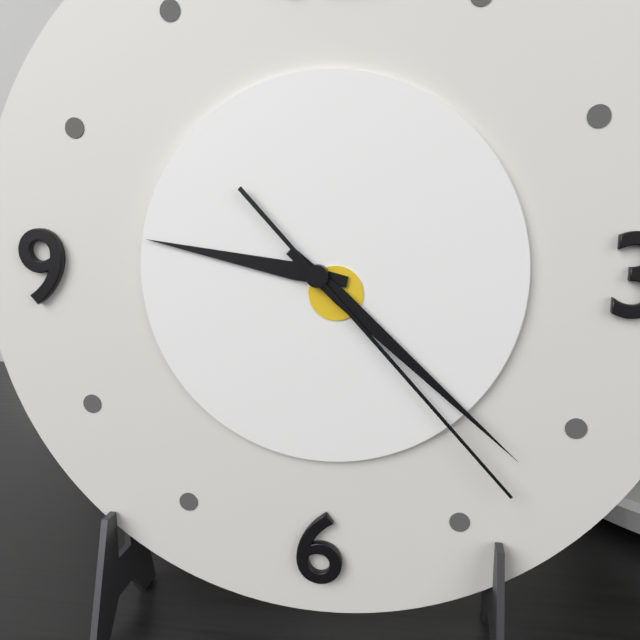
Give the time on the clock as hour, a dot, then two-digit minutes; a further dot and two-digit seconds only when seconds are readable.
9.22.23
